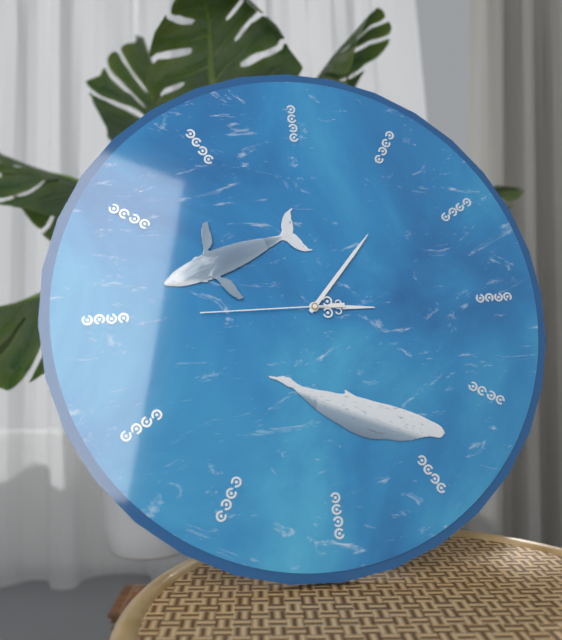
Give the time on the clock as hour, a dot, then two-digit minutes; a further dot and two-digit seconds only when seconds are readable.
3.07.45
